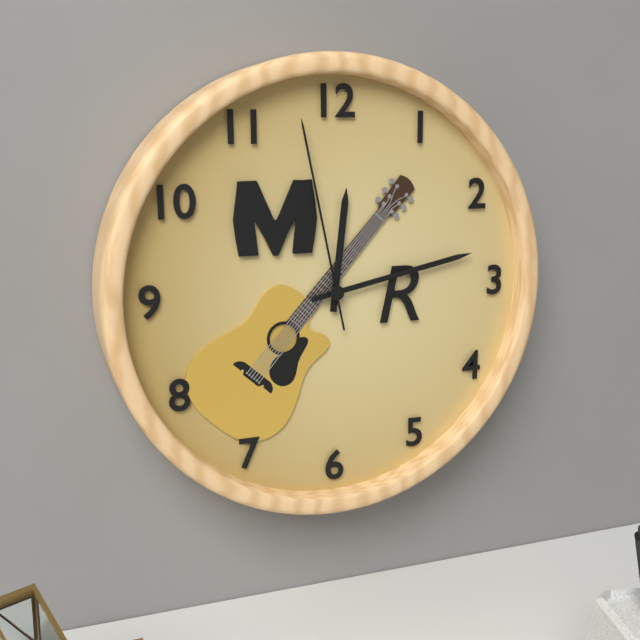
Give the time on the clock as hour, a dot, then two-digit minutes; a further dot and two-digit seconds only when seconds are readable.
12.13.58
